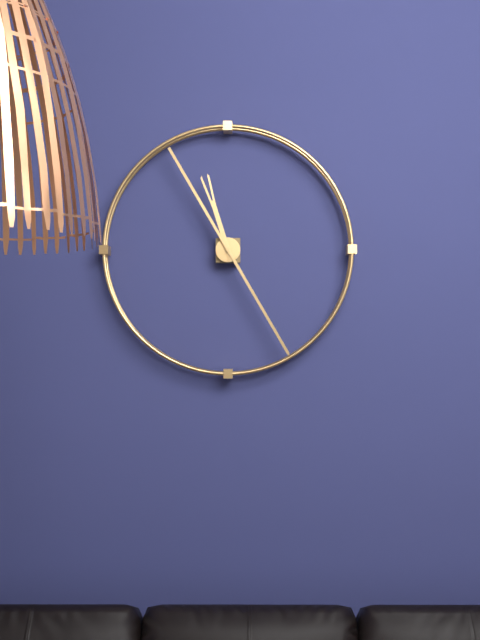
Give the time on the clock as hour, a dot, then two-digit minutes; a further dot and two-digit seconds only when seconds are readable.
11.25
